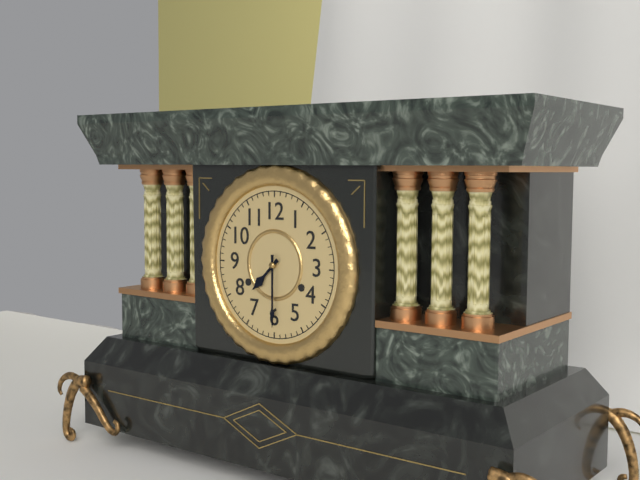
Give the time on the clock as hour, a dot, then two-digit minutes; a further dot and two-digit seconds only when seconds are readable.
7.30
